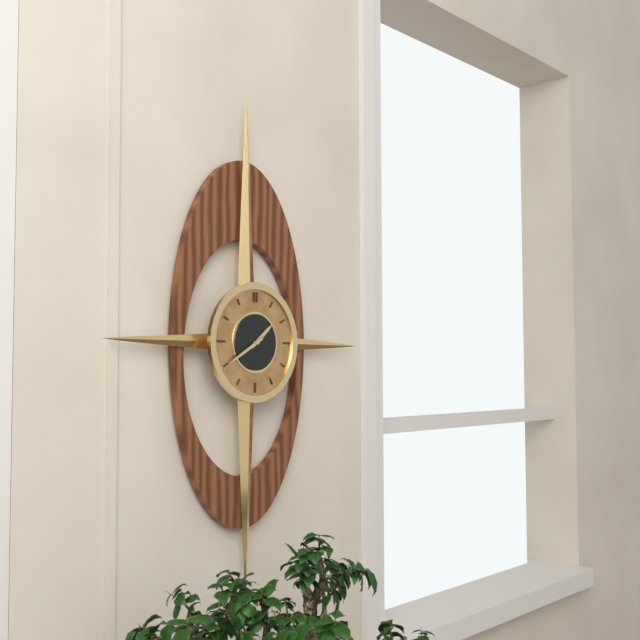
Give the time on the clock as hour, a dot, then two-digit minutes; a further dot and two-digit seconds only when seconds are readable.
1.40
